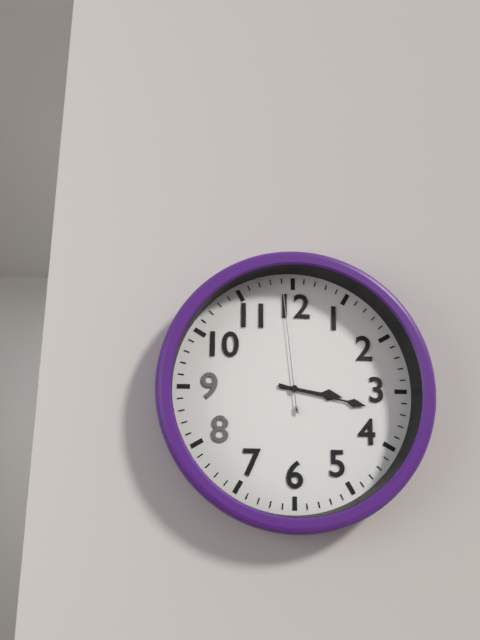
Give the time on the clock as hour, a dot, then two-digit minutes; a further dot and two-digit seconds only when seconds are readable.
3.17.59
